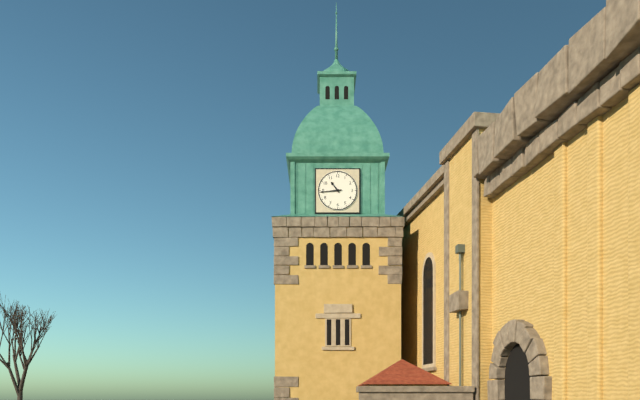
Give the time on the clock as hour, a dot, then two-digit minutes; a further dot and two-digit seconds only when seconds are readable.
10.44
